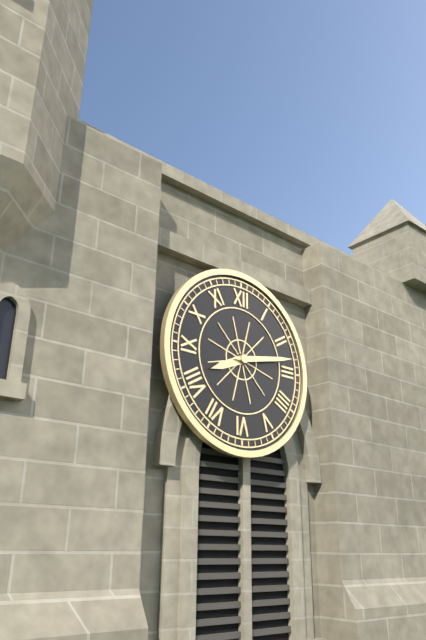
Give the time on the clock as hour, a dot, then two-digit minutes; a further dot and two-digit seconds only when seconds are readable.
8.13
